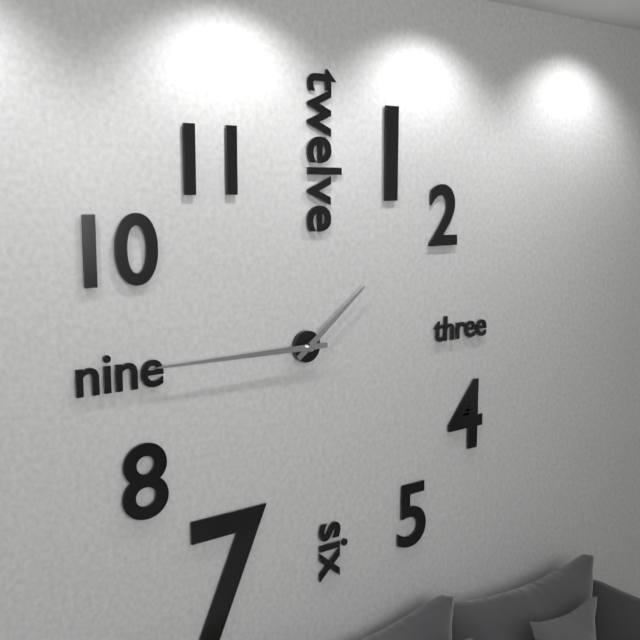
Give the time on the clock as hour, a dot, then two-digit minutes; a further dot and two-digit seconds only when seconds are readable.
1.45
